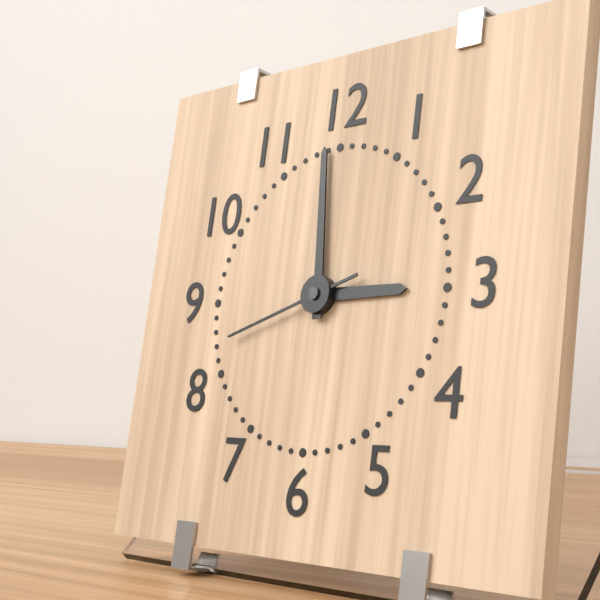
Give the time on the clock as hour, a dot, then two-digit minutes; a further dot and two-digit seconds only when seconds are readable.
2.59.42
